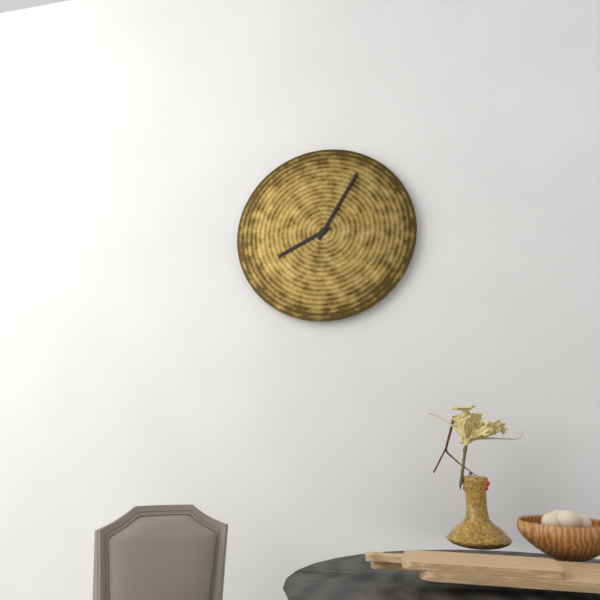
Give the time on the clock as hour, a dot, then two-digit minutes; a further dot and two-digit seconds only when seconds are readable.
8.05
